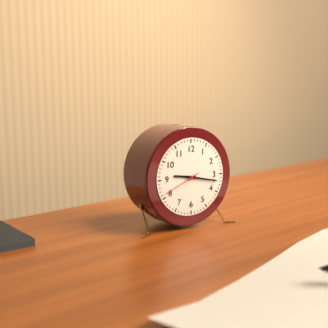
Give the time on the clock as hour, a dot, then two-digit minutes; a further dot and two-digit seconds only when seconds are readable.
9.17
